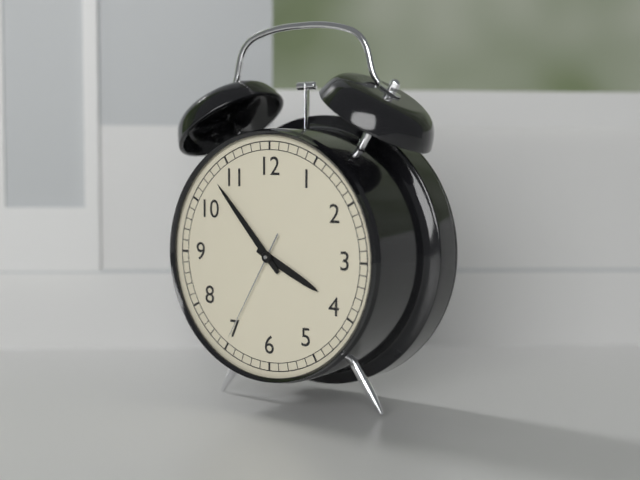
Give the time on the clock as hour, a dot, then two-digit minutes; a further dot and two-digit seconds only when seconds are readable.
3.53.35
